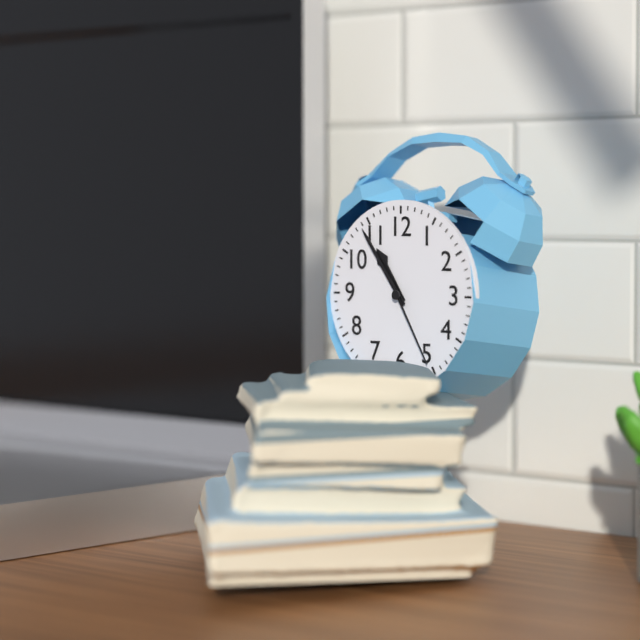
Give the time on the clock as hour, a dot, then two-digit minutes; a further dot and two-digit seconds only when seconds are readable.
10.54.25
